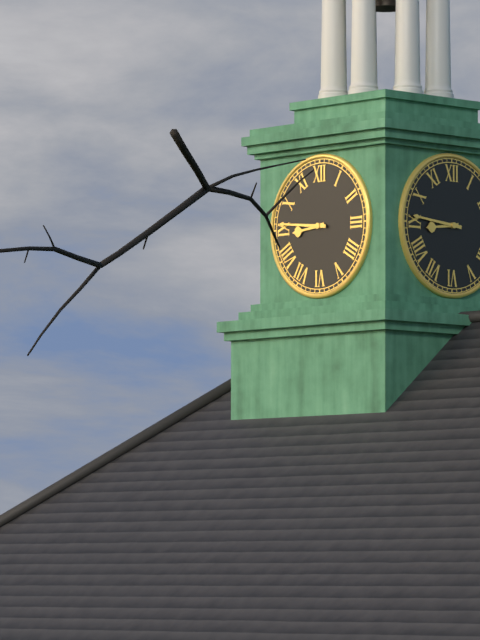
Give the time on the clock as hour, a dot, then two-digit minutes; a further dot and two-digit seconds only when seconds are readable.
8.46
